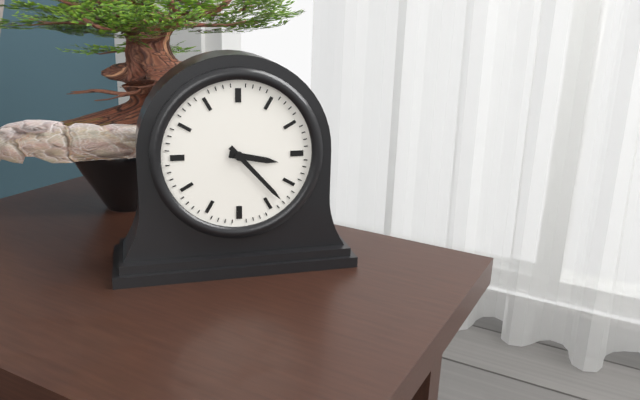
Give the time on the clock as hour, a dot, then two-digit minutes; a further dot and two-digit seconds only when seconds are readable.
3.23
